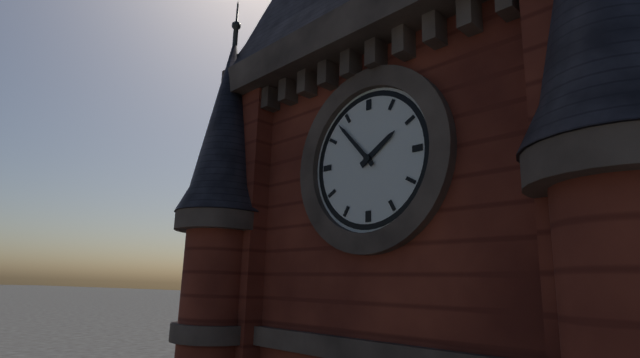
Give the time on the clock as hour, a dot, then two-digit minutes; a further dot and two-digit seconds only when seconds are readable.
1.53
